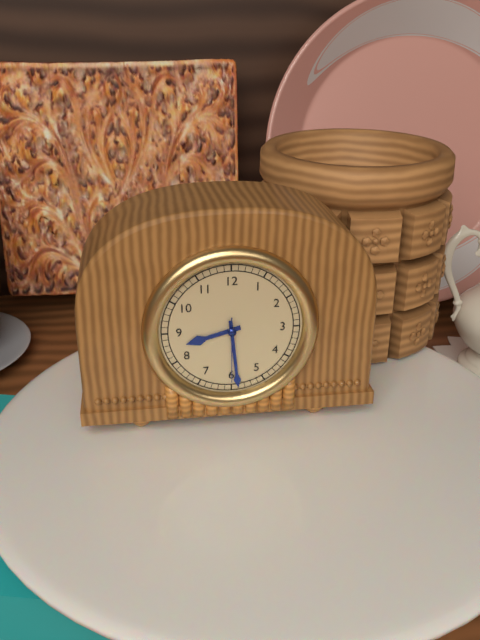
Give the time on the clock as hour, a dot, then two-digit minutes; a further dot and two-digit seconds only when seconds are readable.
8.29.30
